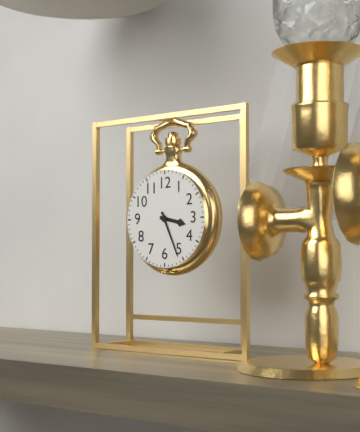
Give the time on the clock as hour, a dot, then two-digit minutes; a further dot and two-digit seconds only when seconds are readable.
3.26
